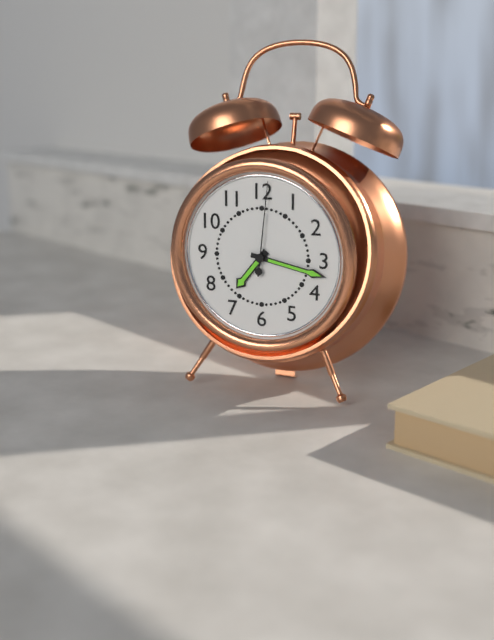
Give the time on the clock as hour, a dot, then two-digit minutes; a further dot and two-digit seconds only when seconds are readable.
7.17.01
